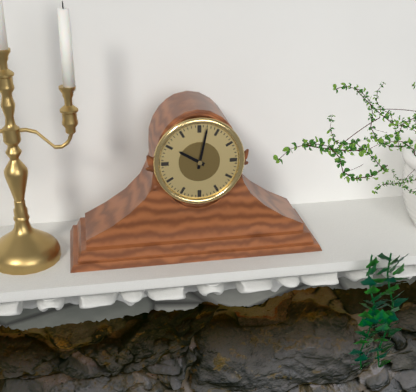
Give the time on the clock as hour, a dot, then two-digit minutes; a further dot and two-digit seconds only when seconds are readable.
10.02
